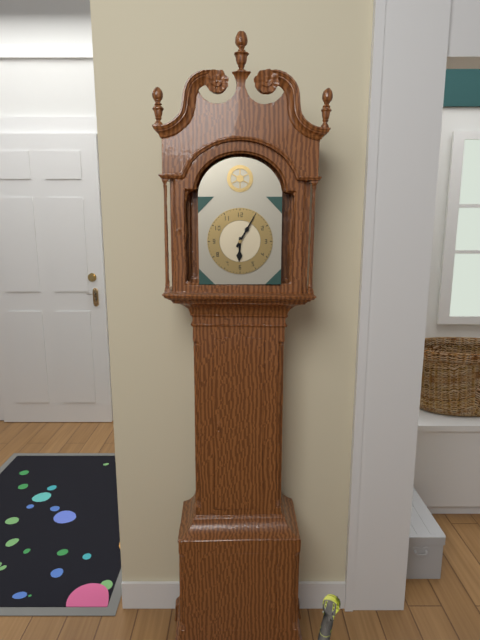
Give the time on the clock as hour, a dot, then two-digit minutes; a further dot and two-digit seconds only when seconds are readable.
6.05
